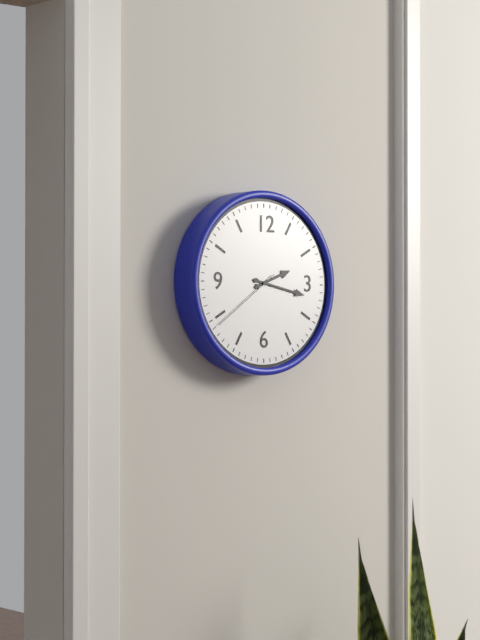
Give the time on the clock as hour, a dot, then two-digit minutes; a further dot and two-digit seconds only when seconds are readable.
2.17.39
